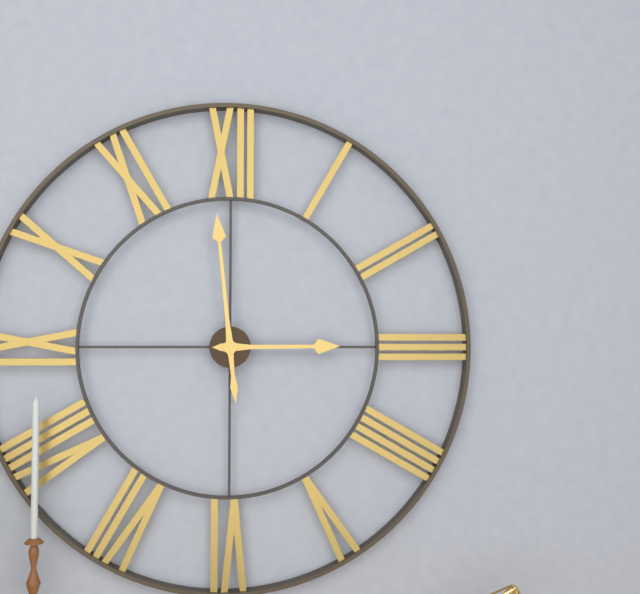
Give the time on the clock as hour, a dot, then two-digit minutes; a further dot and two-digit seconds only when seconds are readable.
2.59
